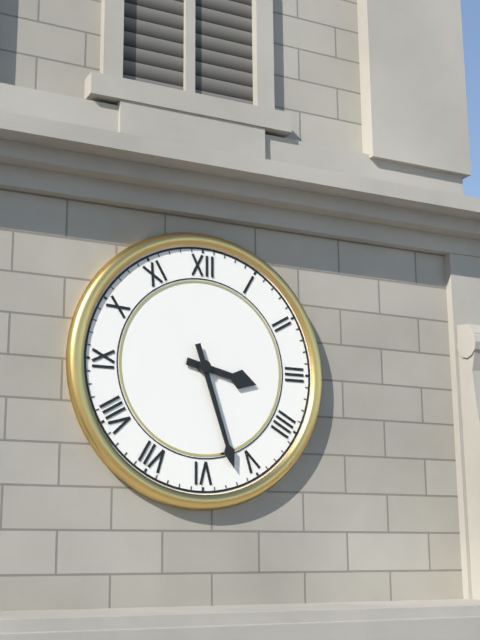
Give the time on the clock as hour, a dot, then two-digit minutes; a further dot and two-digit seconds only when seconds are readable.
3.27
